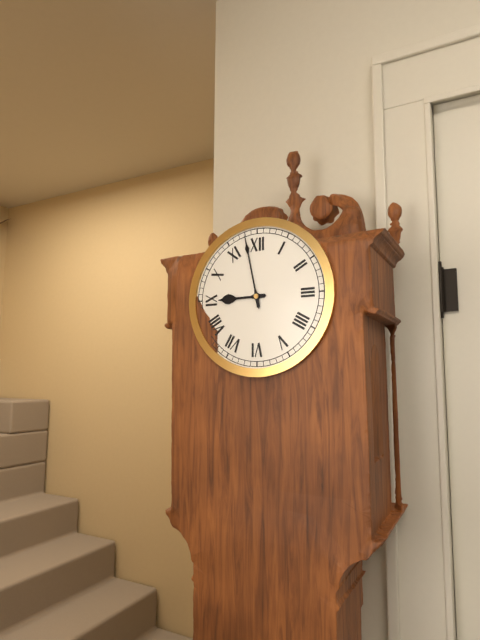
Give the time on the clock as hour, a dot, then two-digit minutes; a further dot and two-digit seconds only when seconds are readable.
8.58
